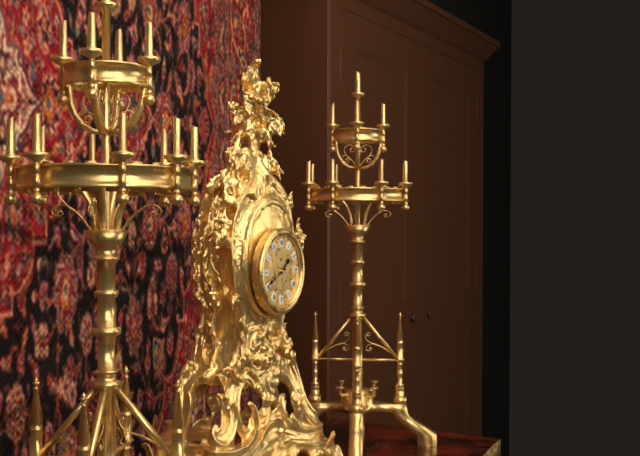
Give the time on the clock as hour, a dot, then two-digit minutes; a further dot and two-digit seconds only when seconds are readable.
1.41
